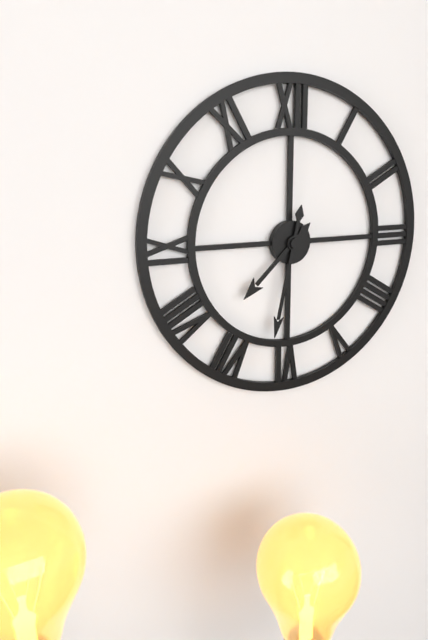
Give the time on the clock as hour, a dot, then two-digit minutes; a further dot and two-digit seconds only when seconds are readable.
7.32
